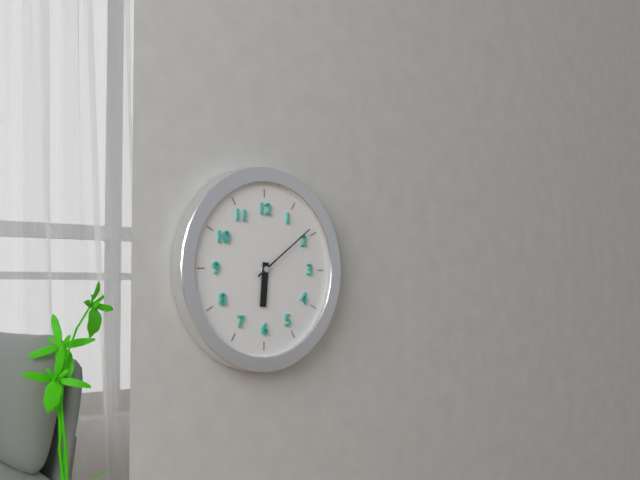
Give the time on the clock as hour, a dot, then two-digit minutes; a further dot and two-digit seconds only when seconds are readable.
6.09
